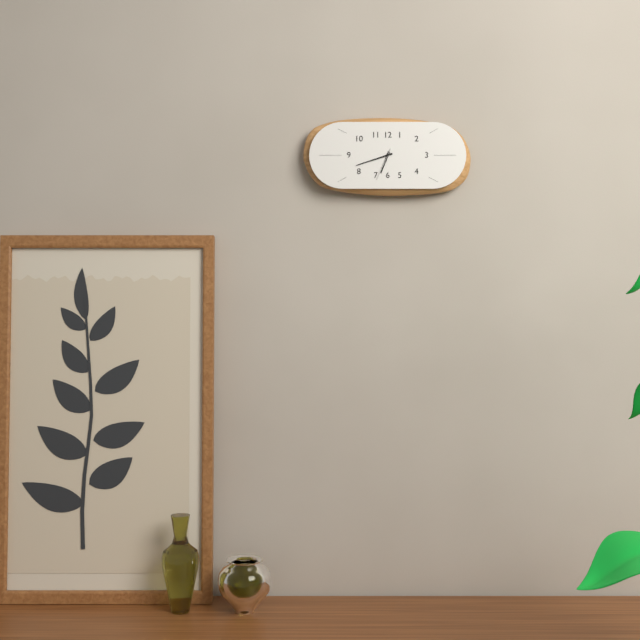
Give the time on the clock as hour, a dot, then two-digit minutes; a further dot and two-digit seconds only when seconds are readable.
6.42
